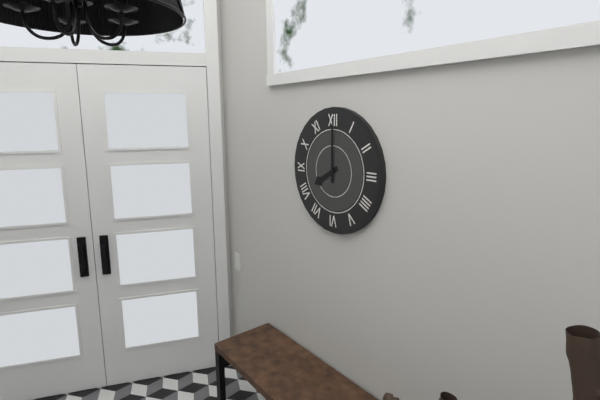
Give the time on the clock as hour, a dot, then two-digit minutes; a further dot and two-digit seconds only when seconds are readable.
8.00
